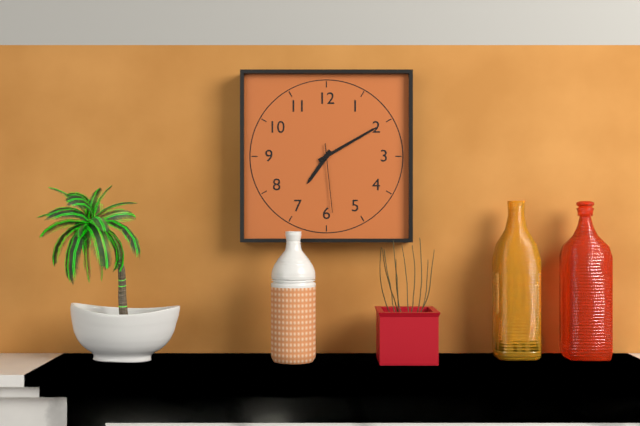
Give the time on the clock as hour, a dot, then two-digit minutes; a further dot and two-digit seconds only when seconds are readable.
7.10.29
